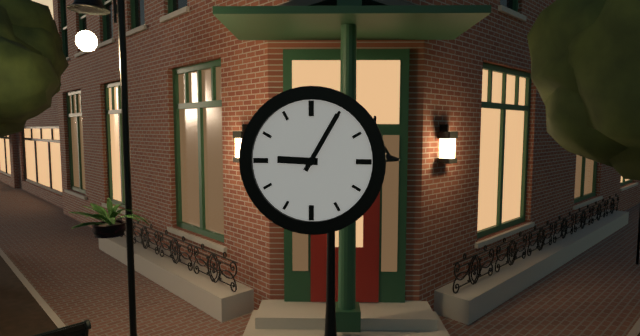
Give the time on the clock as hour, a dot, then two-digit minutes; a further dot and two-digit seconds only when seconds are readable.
9.05
